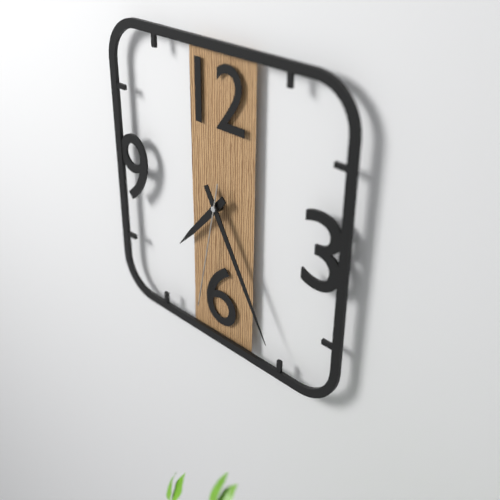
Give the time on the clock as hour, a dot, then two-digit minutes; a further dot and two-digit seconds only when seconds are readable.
7.25.32
